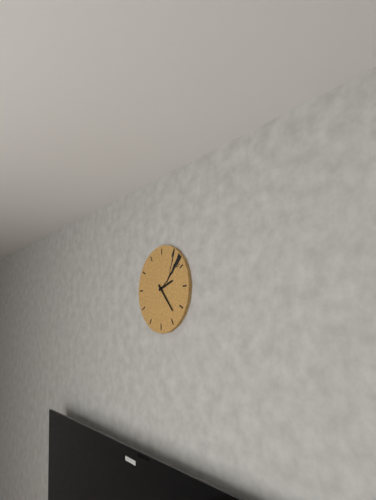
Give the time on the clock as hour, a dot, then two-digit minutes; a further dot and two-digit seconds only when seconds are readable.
2.23
